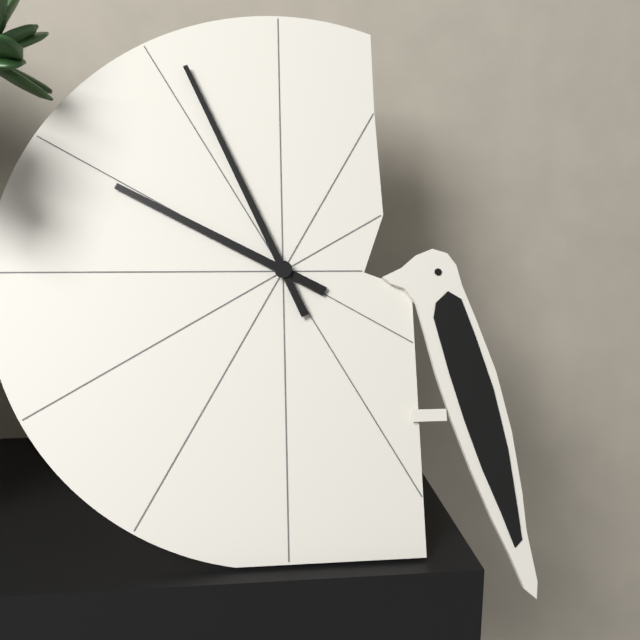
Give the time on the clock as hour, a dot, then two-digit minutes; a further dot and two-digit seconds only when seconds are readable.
9.56
